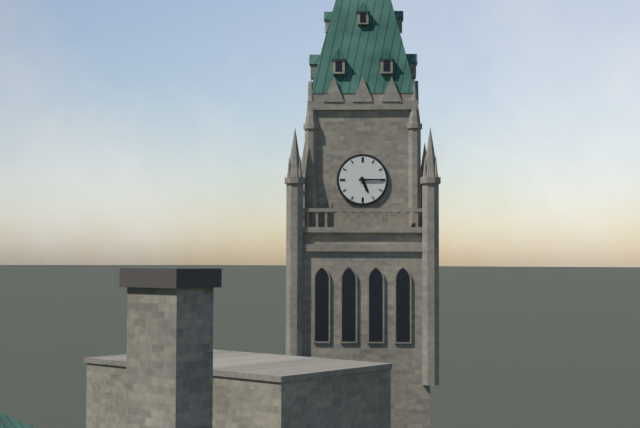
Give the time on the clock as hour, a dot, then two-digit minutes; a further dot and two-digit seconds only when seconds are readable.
5.15
